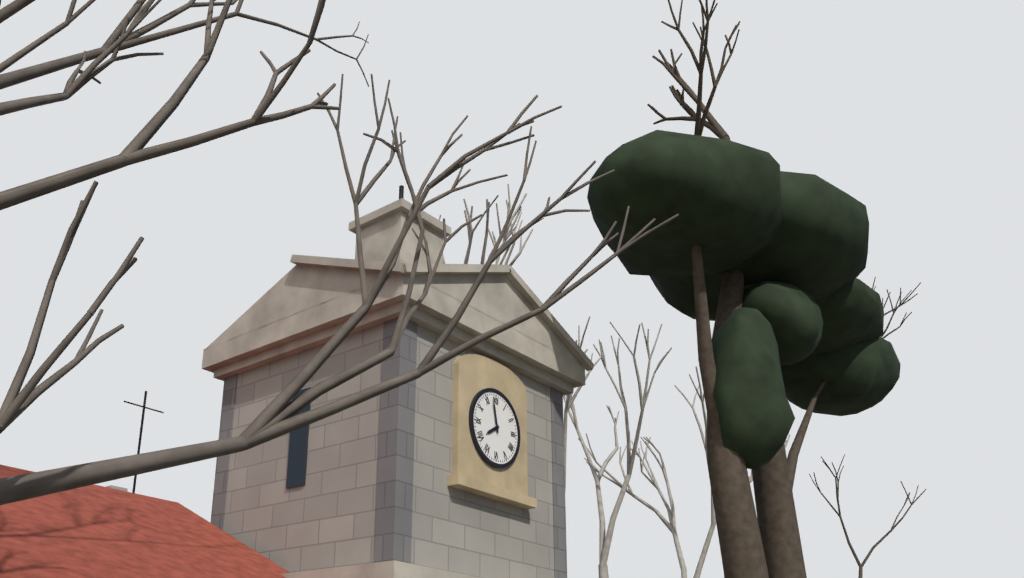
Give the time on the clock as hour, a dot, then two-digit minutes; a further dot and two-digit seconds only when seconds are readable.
7.58
